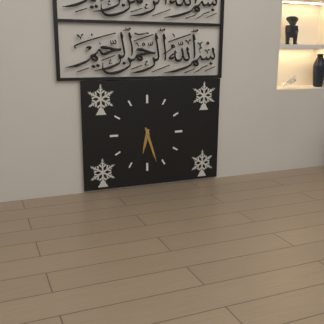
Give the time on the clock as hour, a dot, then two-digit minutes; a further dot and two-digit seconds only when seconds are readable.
6.27
